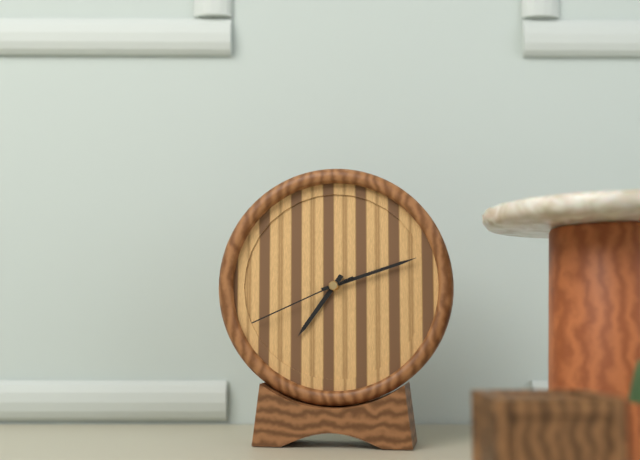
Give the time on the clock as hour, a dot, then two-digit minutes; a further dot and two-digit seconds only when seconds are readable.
7.12.41
